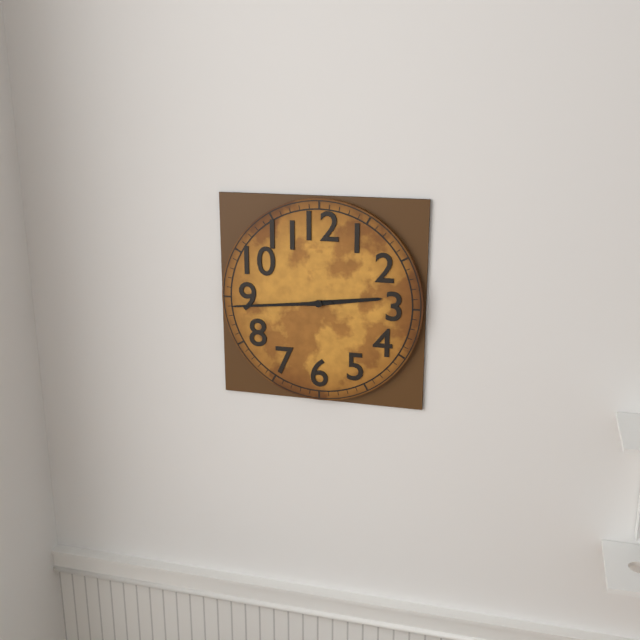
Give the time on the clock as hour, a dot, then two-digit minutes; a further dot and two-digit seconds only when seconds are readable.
2.44
